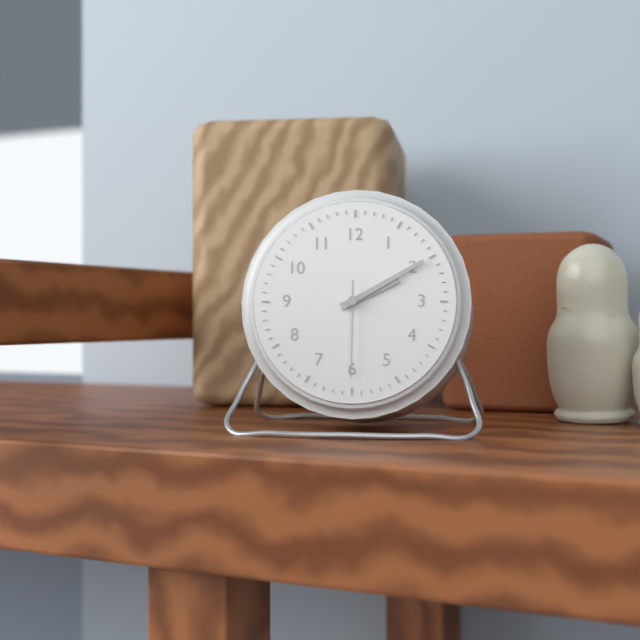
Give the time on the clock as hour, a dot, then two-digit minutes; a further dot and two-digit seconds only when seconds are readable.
2.10.30
